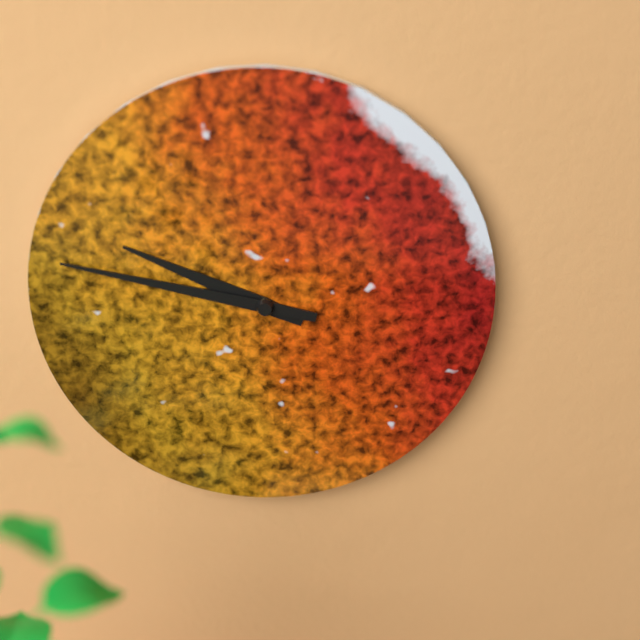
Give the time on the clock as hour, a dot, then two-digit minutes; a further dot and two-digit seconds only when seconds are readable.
9.47
